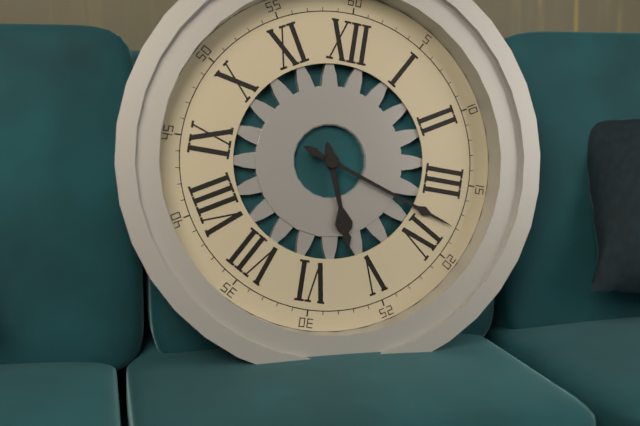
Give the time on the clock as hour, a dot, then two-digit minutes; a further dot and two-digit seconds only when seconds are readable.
5.18
